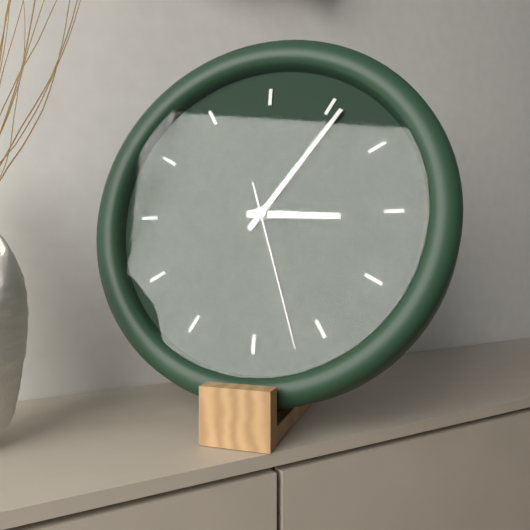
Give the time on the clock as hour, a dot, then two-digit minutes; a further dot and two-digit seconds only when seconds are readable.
3.06.27
